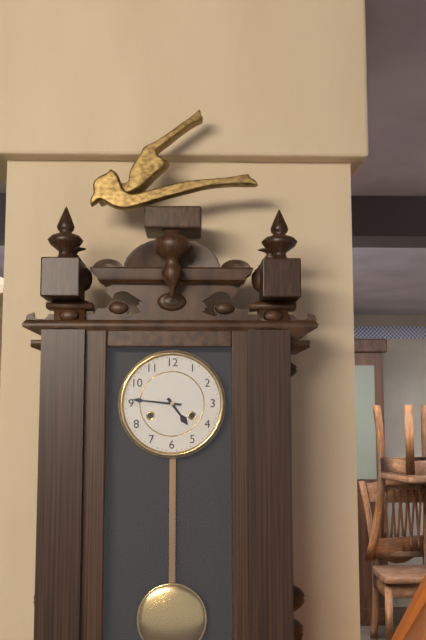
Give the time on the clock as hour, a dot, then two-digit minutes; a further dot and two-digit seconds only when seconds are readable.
4.46
